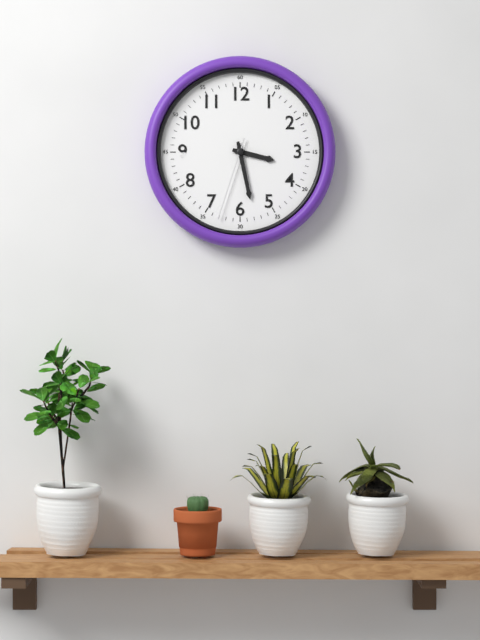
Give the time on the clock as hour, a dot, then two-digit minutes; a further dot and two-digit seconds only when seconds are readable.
3.28.33
